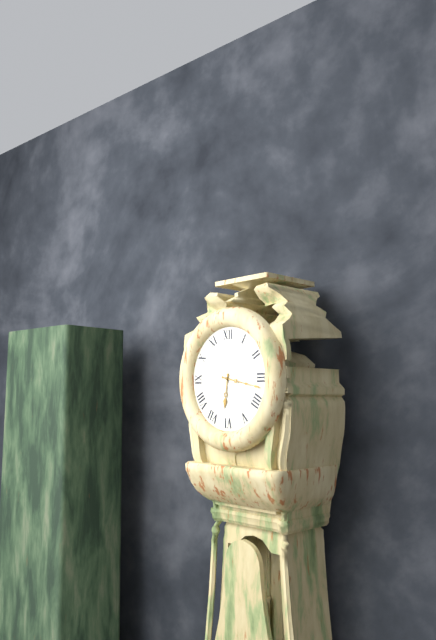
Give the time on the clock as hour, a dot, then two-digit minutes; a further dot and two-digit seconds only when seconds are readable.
6.17
